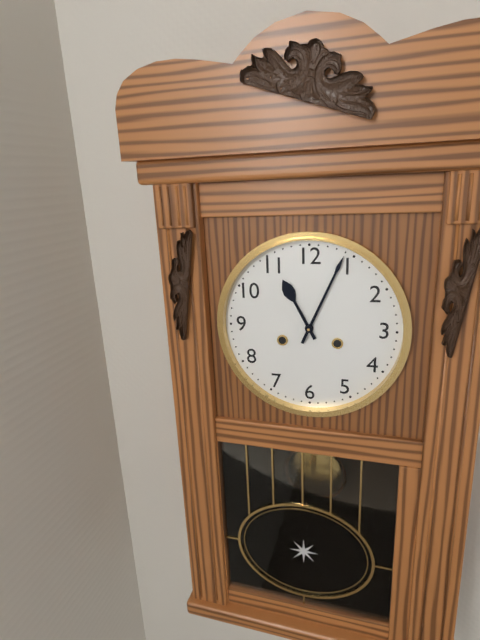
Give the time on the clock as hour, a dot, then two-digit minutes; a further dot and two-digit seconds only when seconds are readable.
11.04
